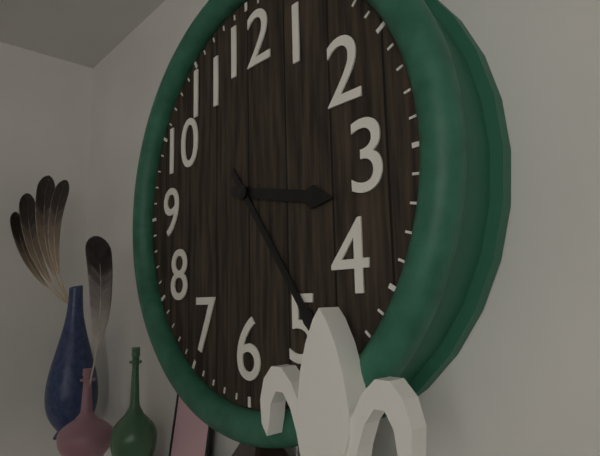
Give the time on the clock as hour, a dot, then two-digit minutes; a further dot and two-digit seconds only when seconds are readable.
3.24
